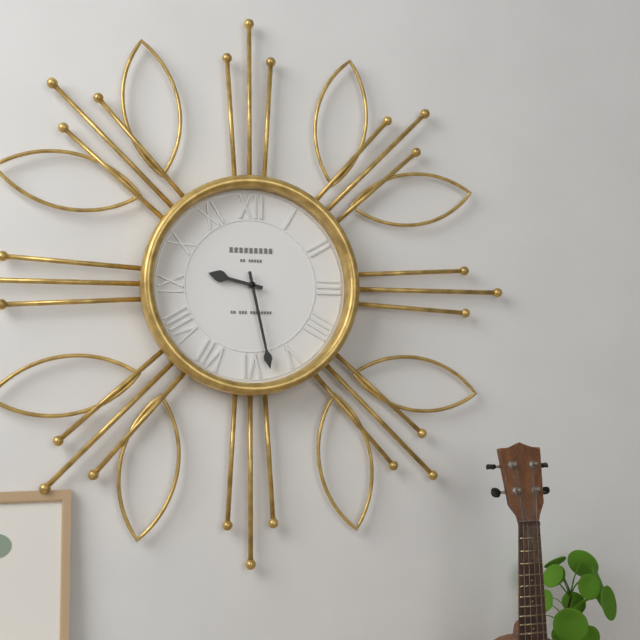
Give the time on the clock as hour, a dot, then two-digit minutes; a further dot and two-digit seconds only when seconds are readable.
9.28
